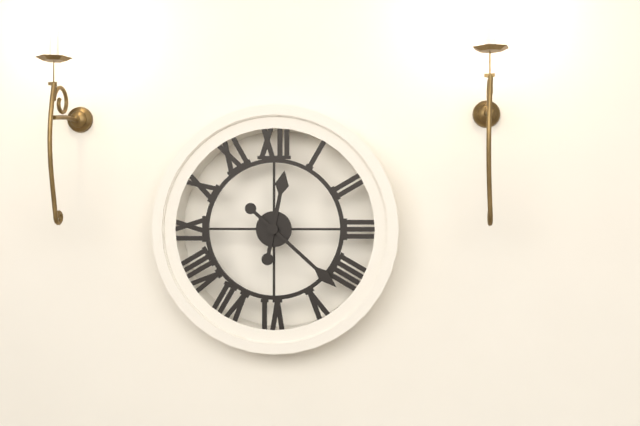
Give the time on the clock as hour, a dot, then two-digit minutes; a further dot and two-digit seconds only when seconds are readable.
12.22
